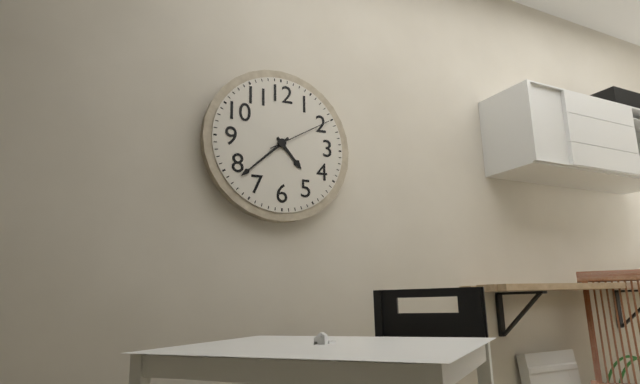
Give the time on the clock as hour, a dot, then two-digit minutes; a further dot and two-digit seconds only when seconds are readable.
4.38.10
